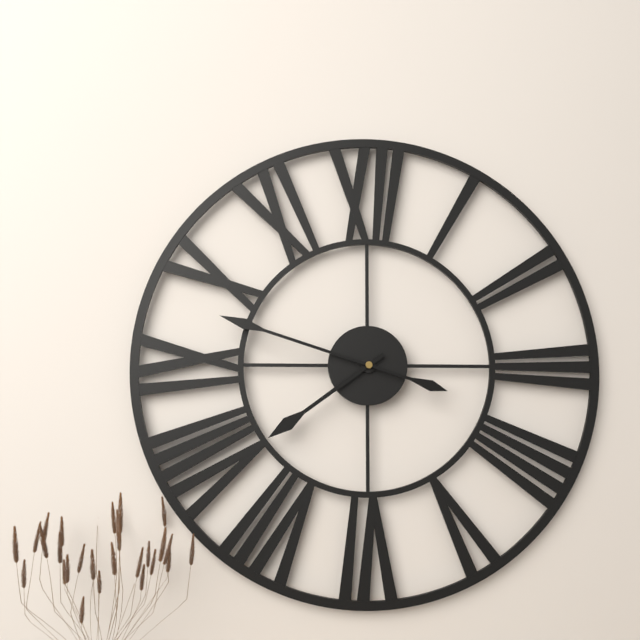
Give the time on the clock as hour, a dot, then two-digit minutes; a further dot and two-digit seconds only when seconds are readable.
7.48
